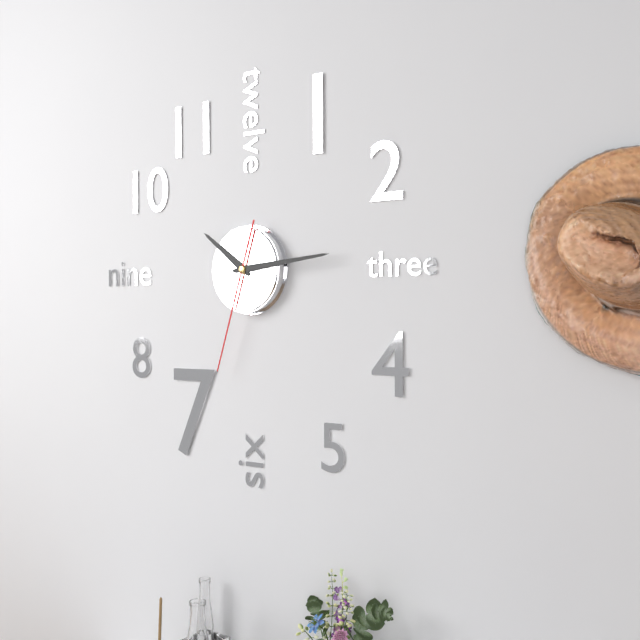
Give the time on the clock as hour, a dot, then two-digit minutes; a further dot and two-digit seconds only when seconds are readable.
10.14.33
